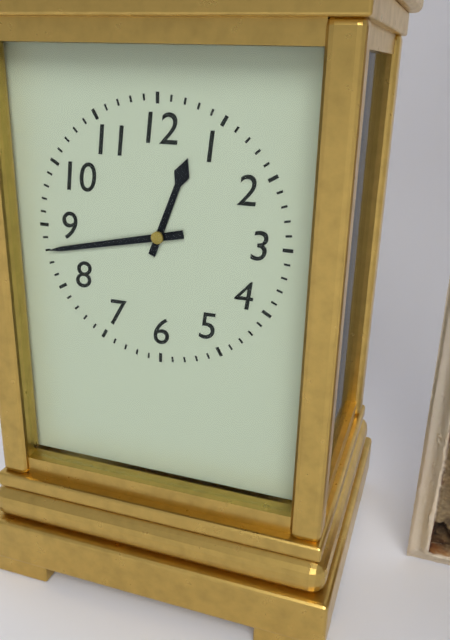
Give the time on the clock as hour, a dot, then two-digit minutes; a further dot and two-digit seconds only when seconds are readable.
12.43
